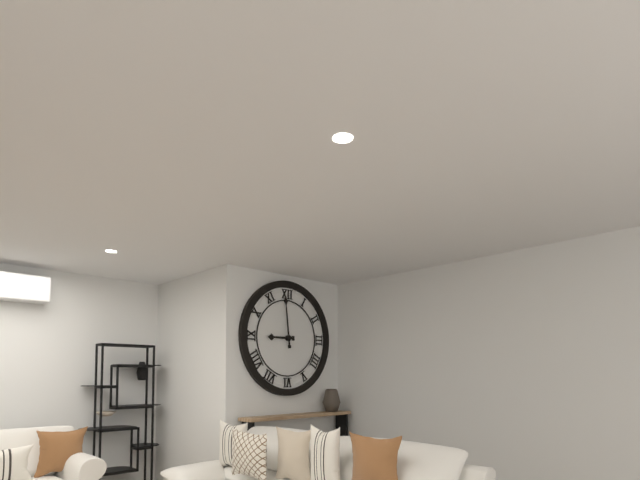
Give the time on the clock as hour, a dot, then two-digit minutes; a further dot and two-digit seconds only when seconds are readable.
8.59
